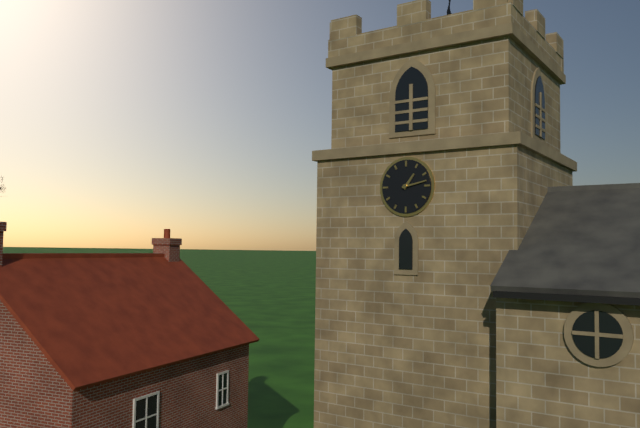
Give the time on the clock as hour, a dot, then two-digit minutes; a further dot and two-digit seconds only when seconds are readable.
1.13
